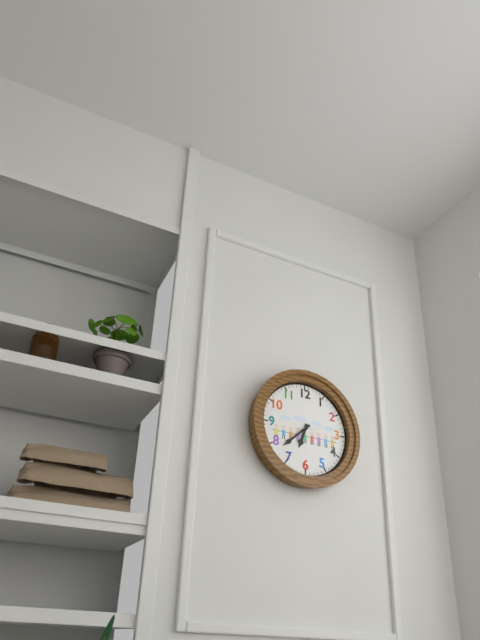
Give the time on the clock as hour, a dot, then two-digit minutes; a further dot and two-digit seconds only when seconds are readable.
6.38.13
